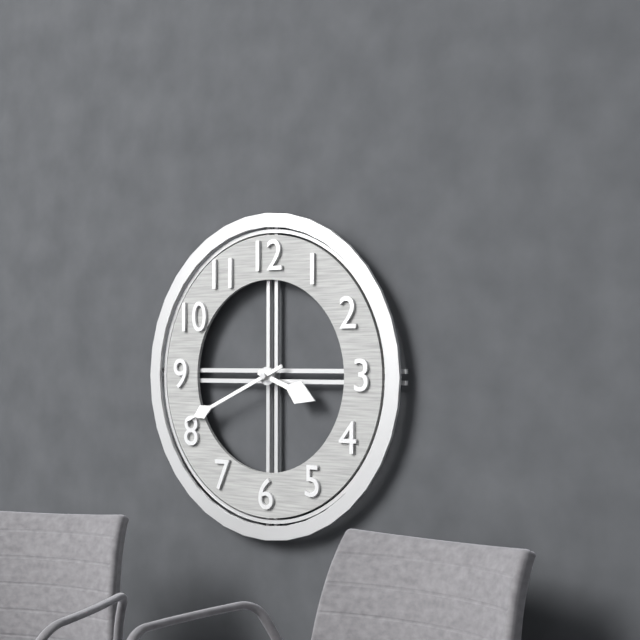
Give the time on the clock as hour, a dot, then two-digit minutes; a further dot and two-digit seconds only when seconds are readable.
3.41
